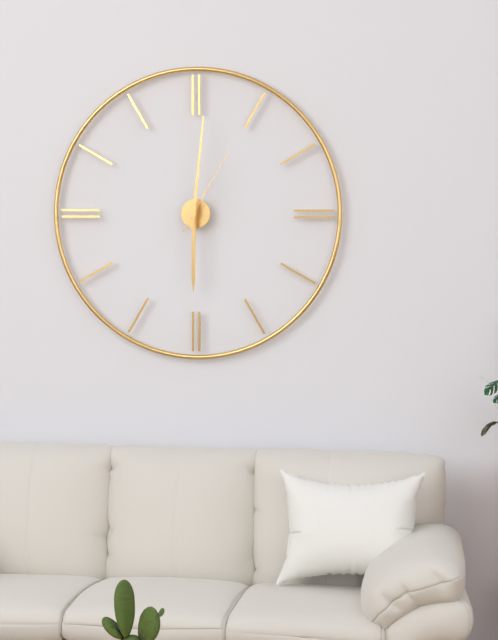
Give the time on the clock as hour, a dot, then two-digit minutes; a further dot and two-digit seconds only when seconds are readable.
6.01.05
